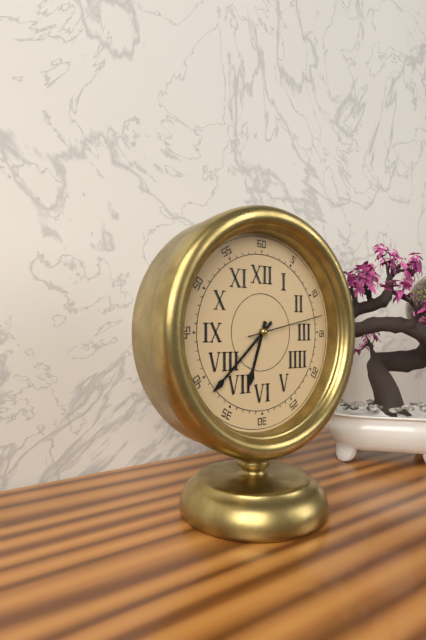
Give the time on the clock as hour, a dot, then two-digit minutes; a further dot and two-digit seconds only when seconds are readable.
6.38.13
